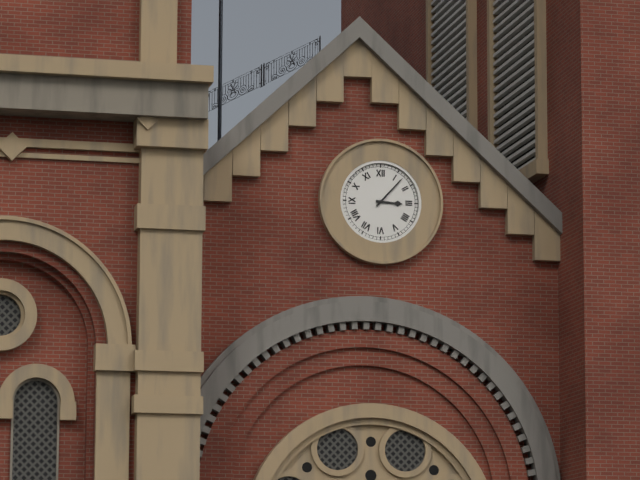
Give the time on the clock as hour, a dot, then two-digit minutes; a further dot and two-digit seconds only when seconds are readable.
3.07
